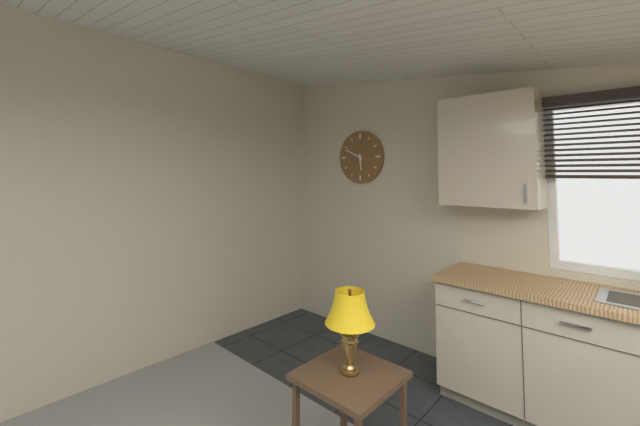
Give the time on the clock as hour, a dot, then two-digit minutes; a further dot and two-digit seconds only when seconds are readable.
5.49
